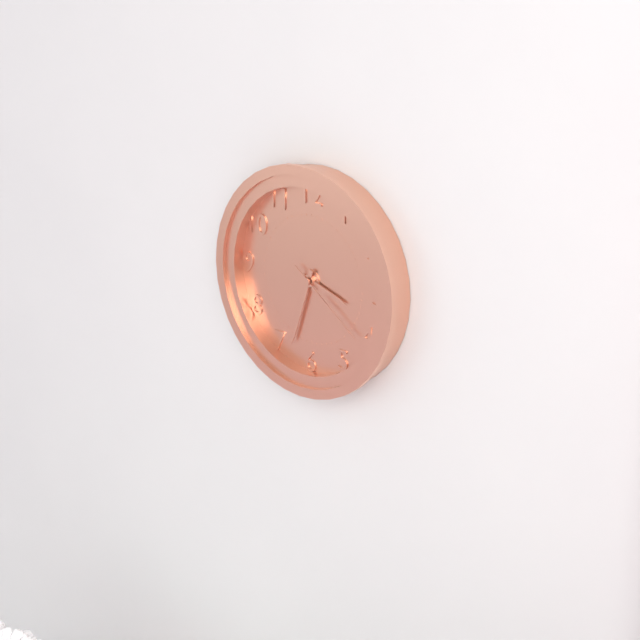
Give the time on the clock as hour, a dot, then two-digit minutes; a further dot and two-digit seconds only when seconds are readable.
3.33.21
